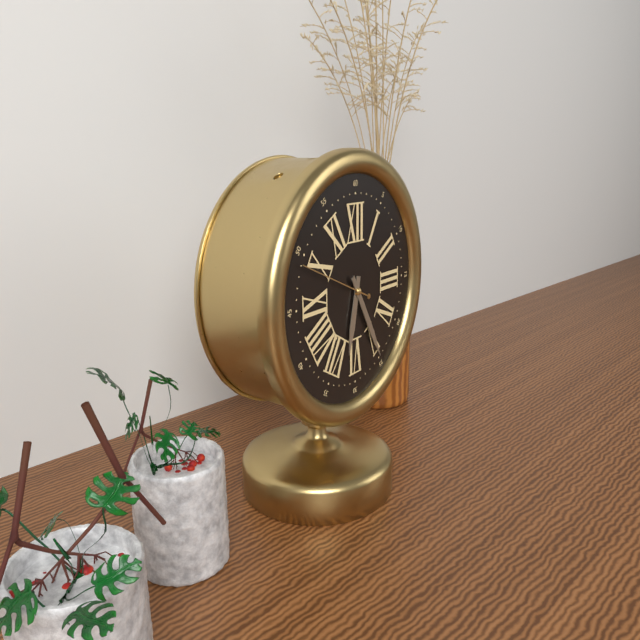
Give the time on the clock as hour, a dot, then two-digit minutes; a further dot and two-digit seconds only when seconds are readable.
6.25.49
